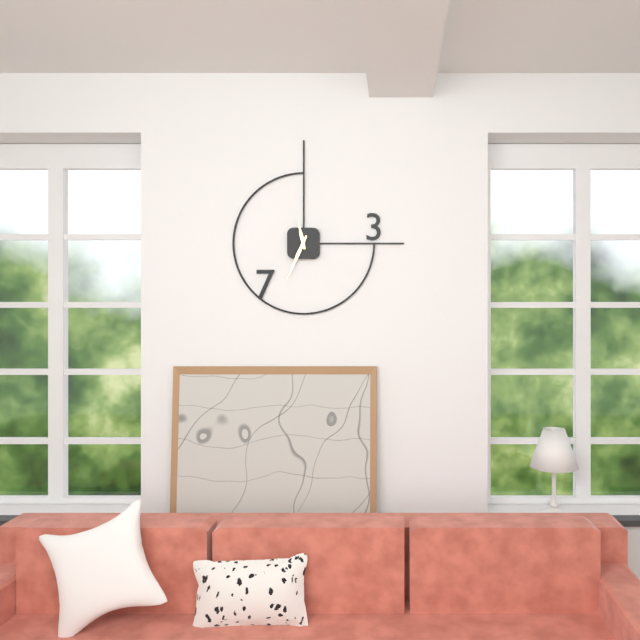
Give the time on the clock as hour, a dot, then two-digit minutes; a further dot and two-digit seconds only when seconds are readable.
11.34
